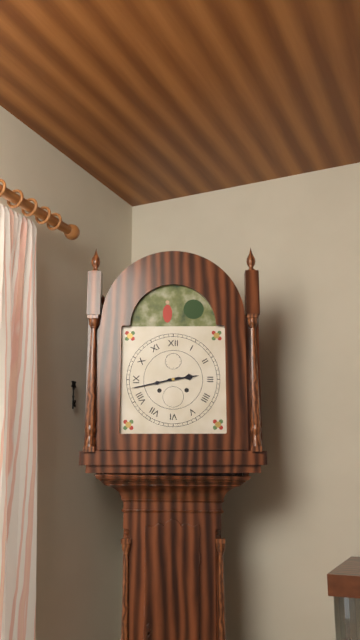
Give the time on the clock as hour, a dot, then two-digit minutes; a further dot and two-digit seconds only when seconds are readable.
2.43
